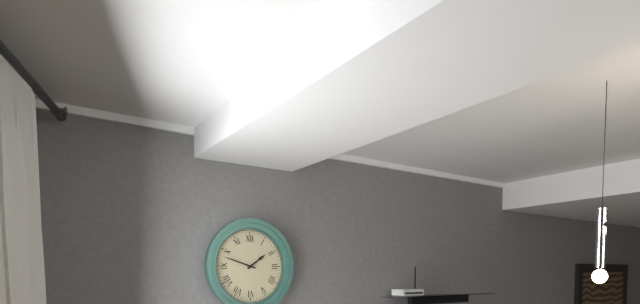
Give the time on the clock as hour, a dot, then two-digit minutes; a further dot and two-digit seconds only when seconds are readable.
1.48
